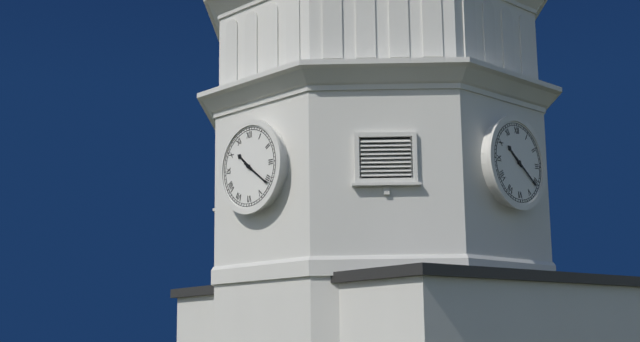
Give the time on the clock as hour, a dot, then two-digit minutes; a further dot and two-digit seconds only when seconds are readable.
10.21
